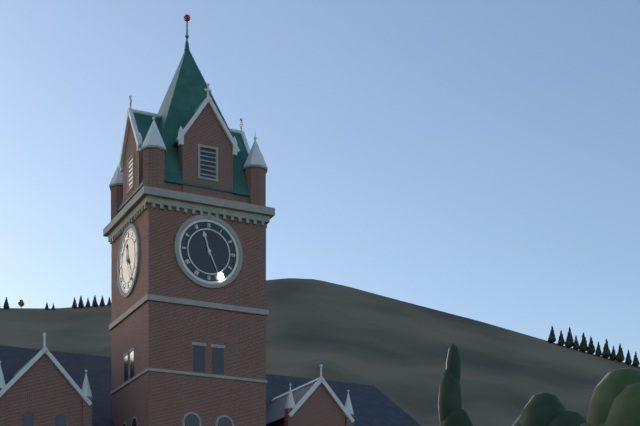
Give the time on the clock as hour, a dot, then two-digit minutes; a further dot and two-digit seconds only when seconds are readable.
11.26
